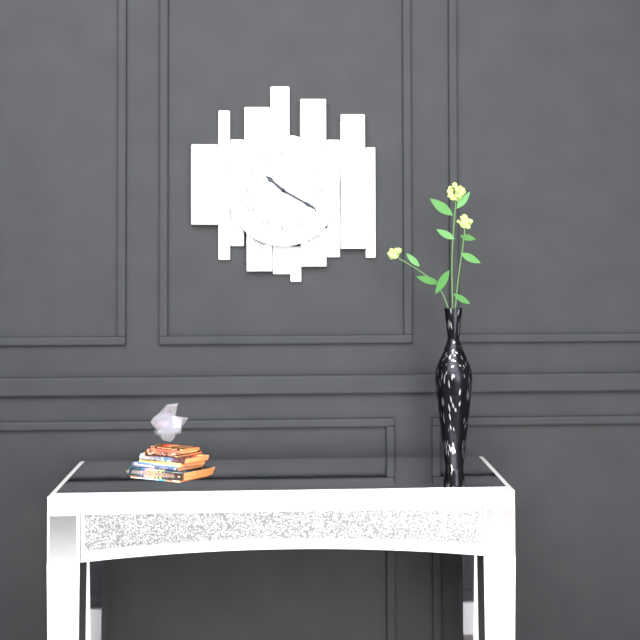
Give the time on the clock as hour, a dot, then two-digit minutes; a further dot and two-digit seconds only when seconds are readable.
10.20
